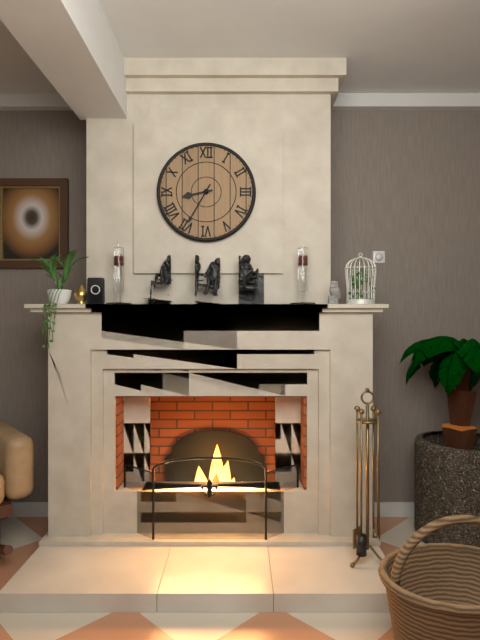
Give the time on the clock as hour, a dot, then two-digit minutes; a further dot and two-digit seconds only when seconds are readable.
8.35
